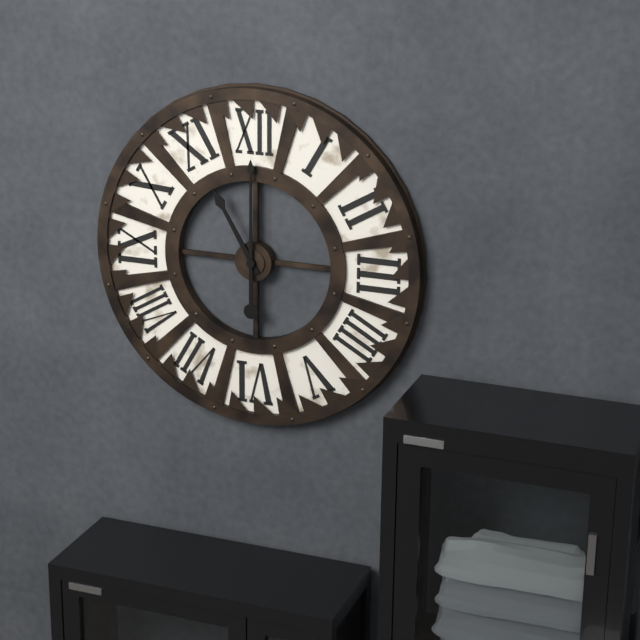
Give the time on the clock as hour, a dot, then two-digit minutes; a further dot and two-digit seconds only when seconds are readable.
11.00
